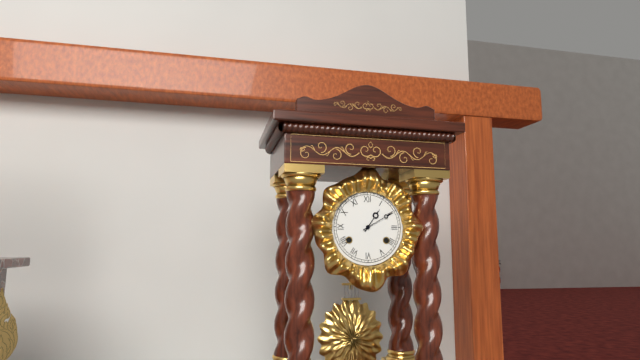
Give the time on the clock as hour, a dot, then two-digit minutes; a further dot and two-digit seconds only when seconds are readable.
1.10
